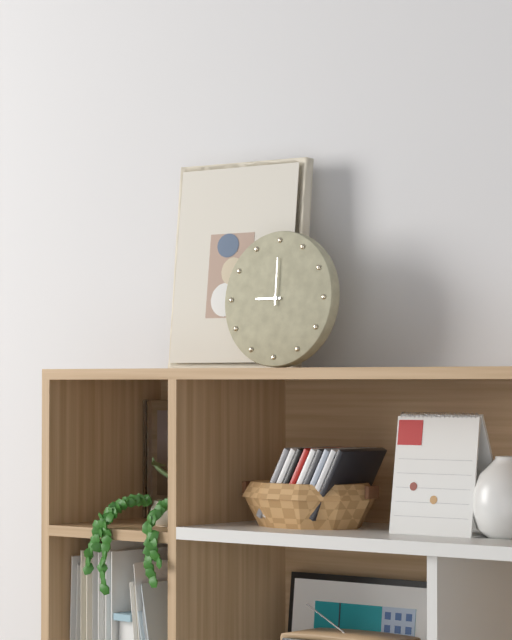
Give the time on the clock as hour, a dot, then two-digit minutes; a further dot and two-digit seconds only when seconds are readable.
9.00
